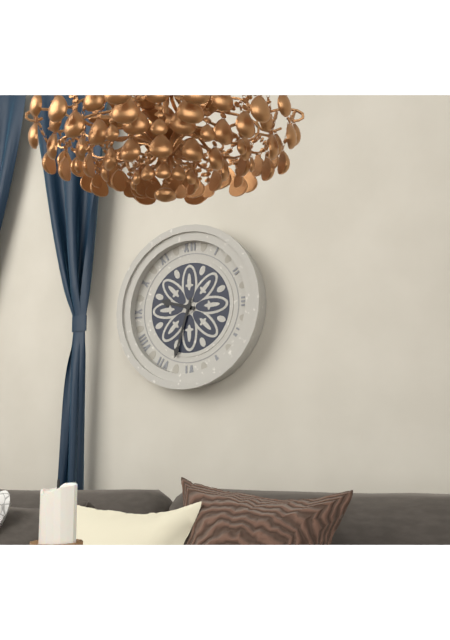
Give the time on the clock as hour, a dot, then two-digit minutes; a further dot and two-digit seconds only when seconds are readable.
9.33
